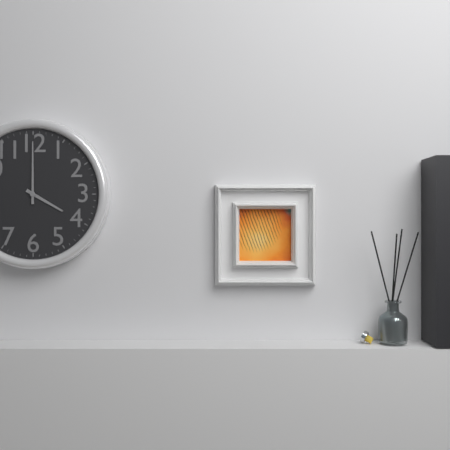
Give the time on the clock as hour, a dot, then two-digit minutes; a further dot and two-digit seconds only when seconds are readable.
4.00
